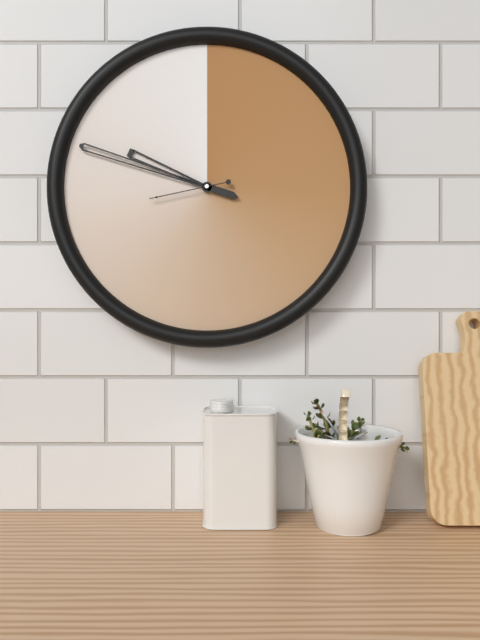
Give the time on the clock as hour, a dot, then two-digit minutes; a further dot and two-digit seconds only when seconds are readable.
9.48.43
